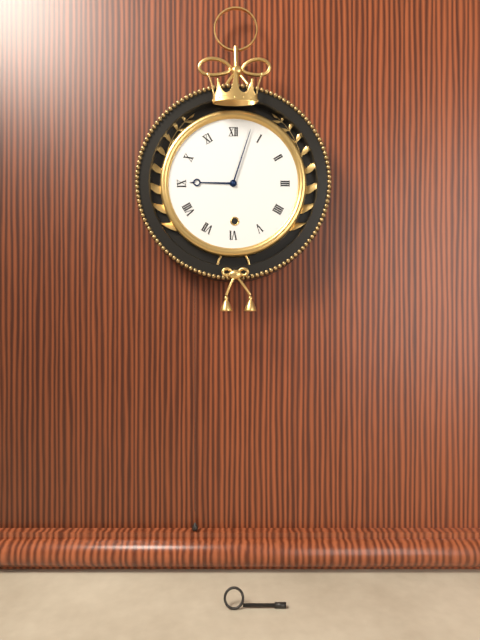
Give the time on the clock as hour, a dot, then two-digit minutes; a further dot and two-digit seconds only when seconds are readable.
9.03
